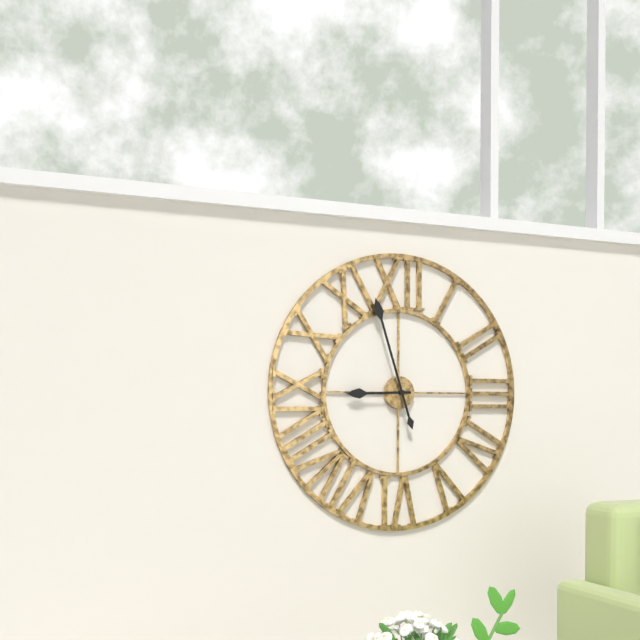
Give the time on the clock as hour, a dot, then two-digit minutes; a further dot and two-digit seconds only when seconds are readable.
8.57
